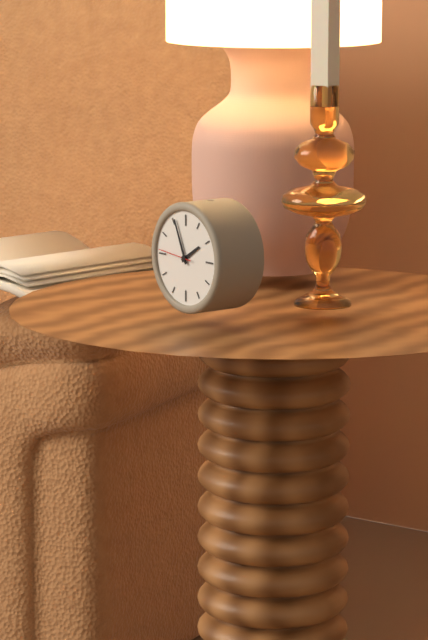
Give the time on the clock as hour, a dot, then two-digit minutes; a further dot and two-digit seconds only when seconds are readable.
1.56
